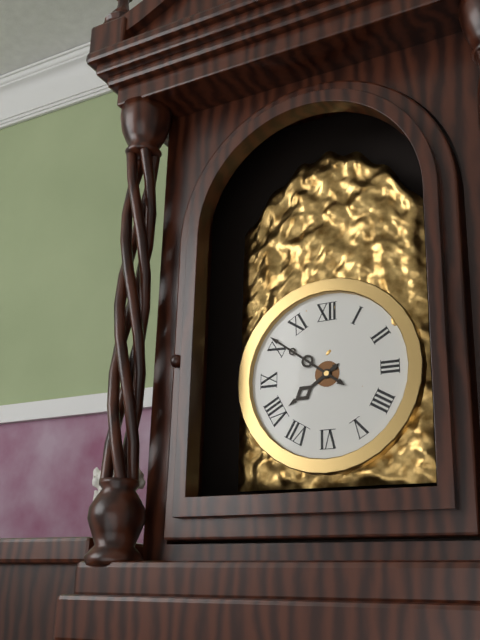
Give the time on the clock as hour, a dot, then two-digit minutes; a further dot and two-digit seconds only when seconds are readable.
7.51
